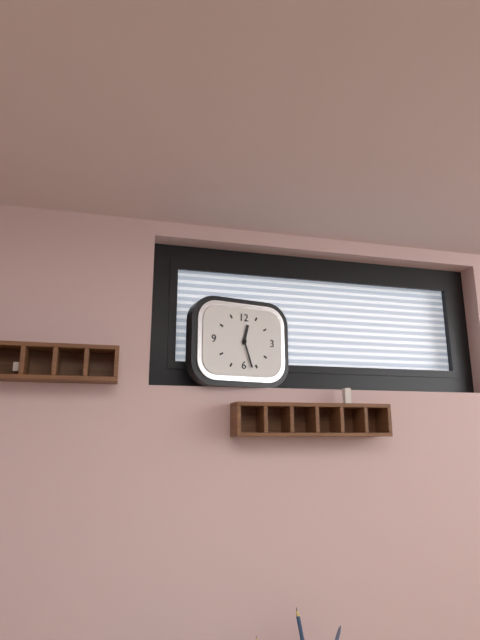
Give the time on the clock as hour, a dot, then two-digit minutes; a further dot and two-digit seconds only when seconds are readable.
12.27
